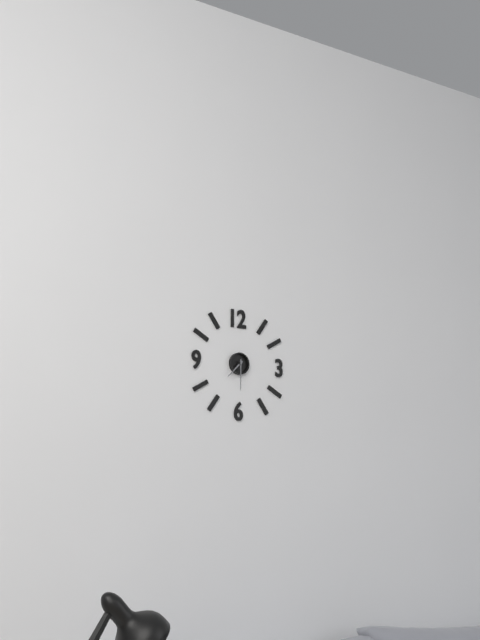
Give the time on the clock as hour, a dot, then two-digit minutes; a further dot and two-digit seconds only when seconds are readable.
7.30
